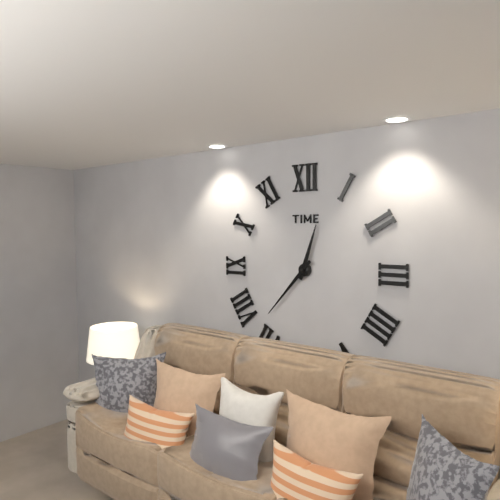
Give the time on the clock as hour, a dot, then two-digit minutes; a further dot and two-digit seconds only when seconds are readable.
12.37
